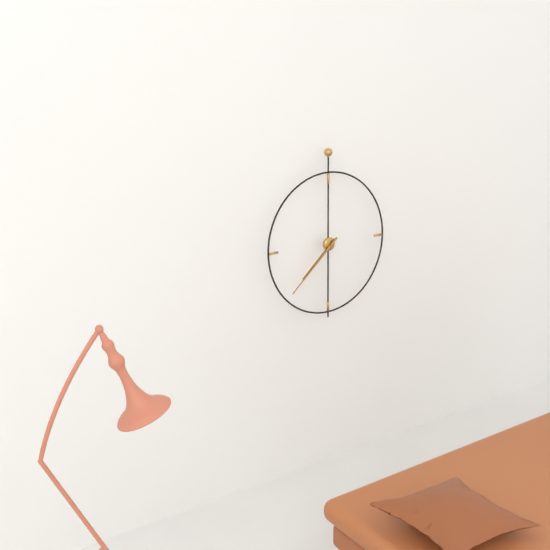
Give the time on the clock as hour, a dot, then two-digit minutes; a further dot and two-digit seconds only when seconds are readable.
7.38
